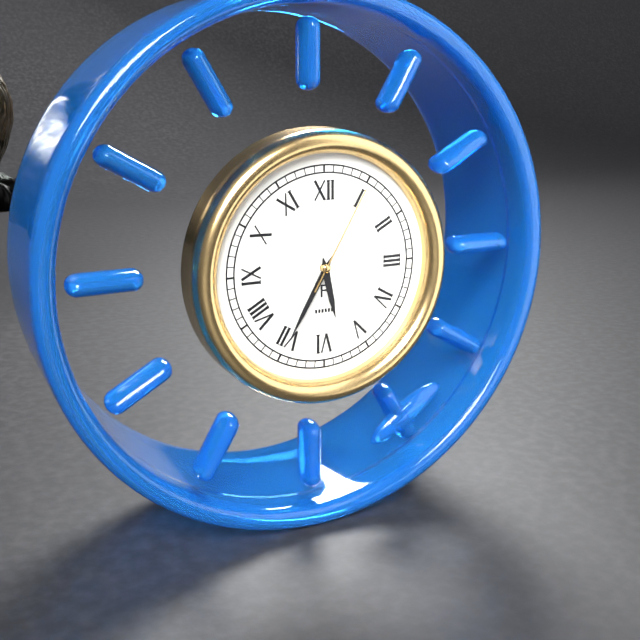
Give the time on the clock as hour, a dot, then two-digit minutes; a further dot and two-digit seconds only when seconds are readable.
5.35.05
